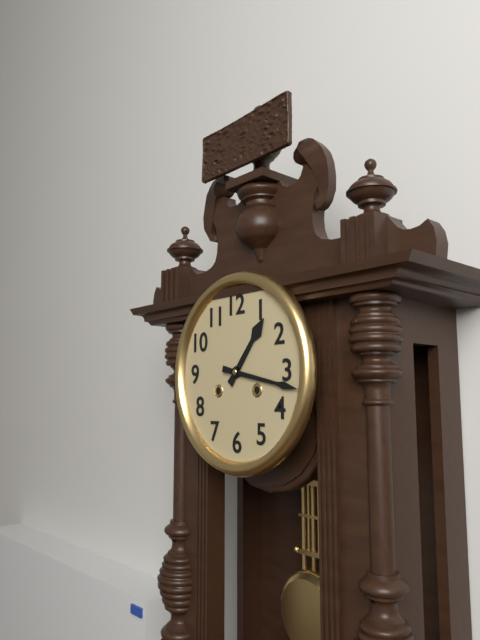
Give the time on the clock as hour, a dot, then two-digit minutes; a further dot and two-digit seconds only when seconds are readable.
1.17
